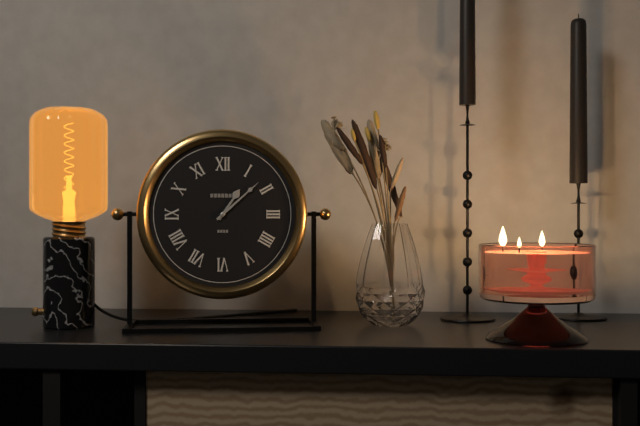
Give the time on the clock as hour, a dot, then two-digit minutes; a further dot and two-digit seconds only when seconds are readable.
1.08
